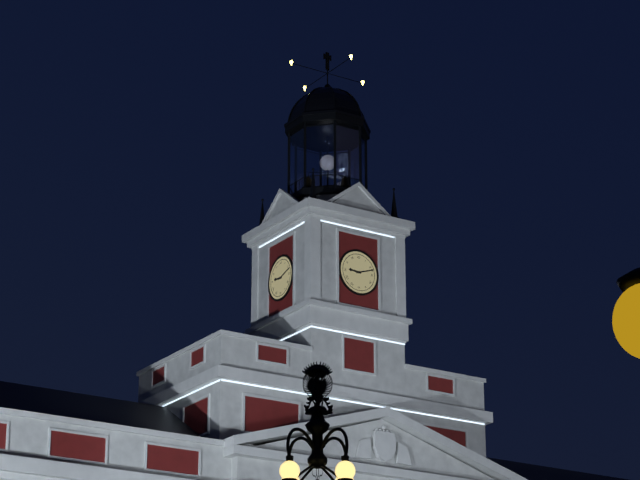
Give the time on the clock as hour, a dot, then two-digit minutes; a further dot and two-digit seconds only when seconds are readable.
9.12
